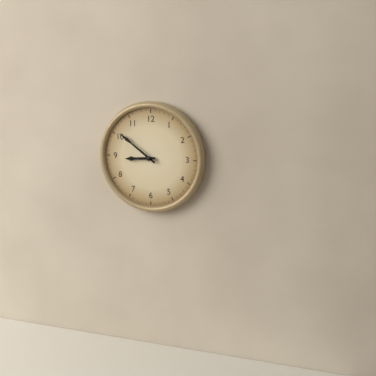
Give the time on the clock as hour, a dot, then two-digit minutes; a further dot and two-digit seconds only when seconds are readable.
8.51
